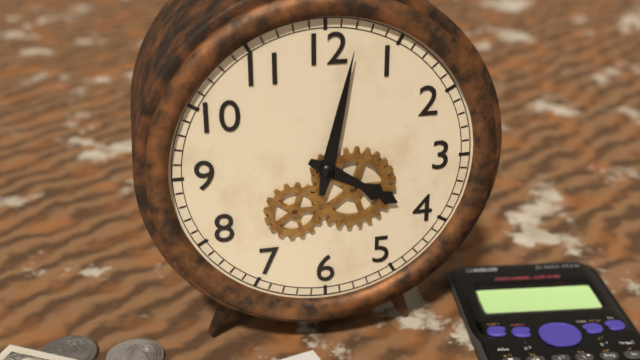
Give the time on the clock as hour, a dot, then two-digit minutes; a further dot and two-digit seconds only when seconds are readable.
4.02
